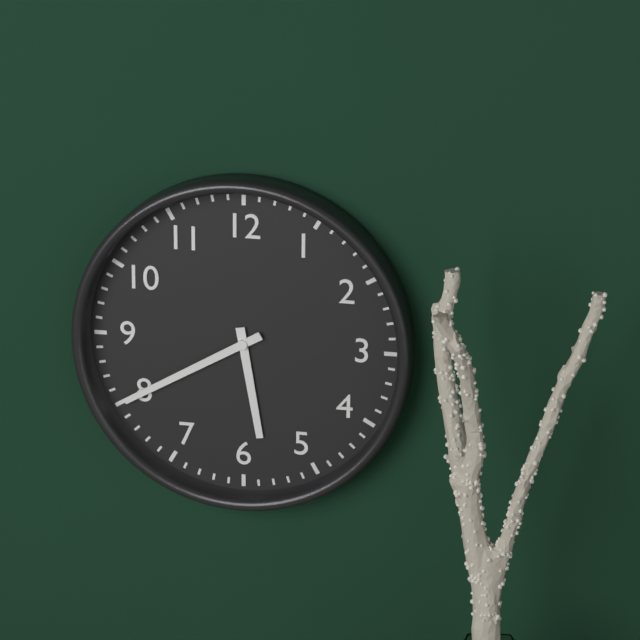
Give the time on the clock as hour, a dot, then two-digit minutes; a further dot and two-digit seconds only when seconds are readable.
5.40
